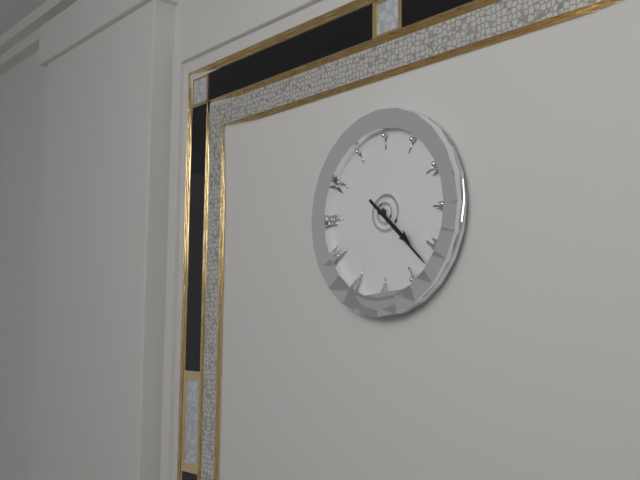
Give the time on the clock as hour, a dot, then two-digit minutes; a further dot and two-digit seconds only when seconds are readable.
4.22
